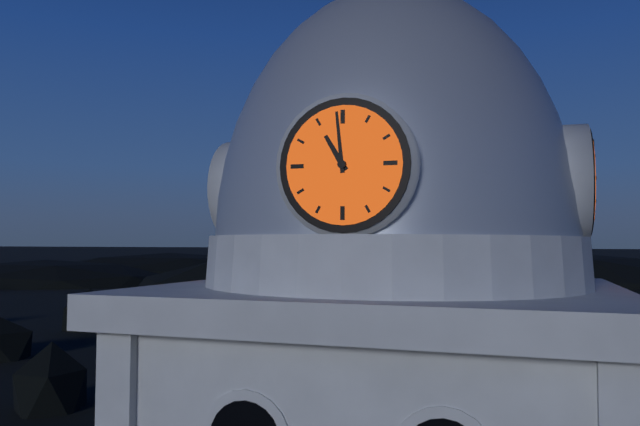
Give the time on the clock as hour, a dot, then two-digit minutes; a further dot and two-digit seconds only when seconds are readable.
10.59
